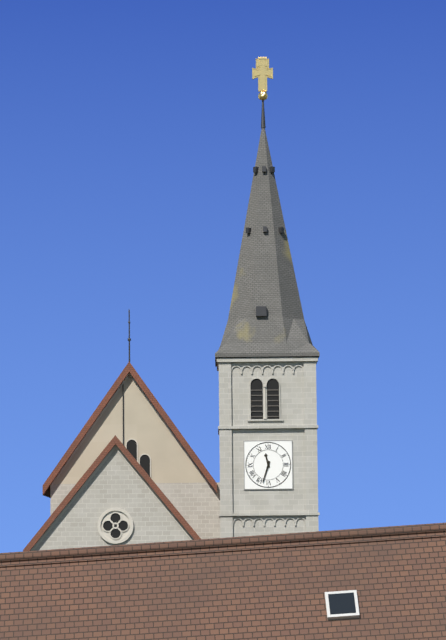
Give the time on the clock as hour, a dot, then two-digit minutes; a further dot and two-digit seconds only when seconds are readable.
11.33
